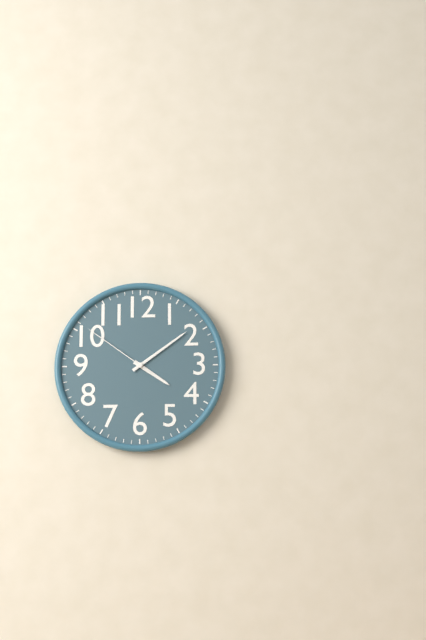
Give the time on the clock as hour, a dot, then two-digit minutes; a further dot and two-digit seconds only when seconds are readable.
4.09.51
